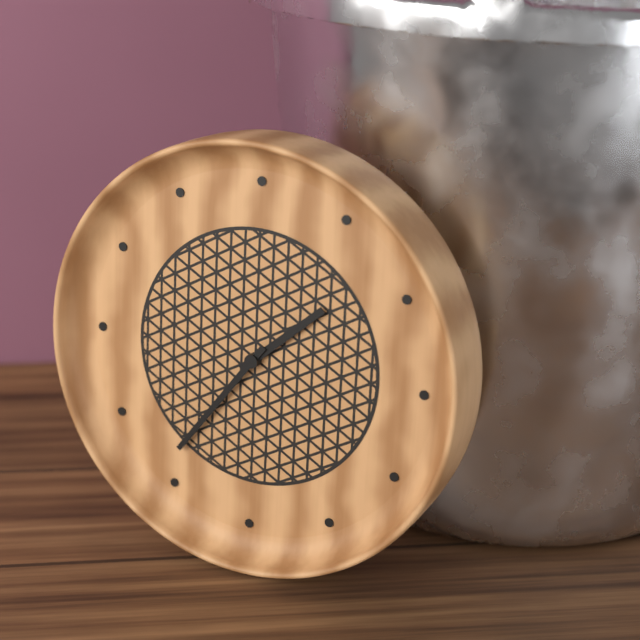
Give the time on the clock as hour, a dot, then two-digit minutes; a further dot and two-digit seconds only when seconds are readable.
1.36
